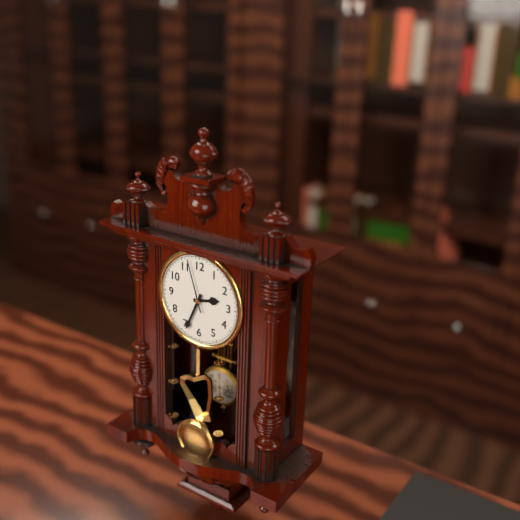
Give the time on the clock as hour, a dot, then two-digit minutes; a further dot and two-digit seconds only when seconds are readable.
2.34.57
